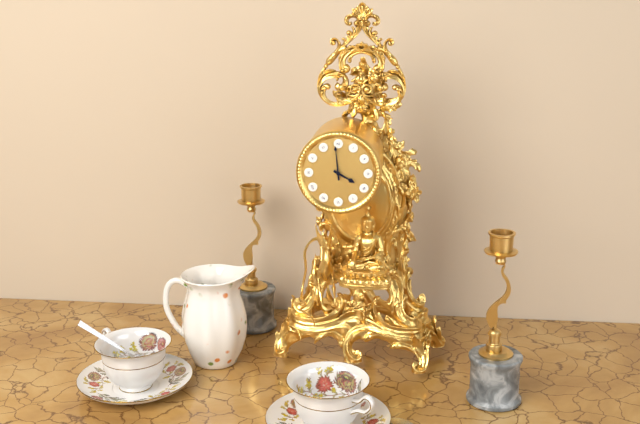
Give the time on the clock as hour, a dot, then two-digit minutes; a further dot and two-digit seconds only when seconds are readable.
3.59
